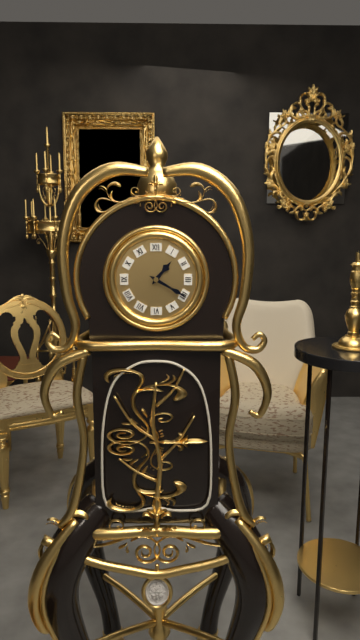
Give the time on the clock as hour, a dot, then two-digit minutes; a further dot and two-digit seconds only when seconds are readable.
1.20
